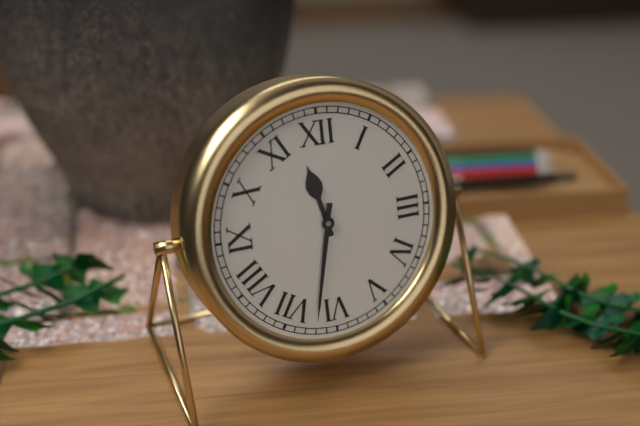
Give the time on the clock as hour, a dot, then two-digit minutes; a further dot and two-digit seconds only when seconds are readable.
11.32
